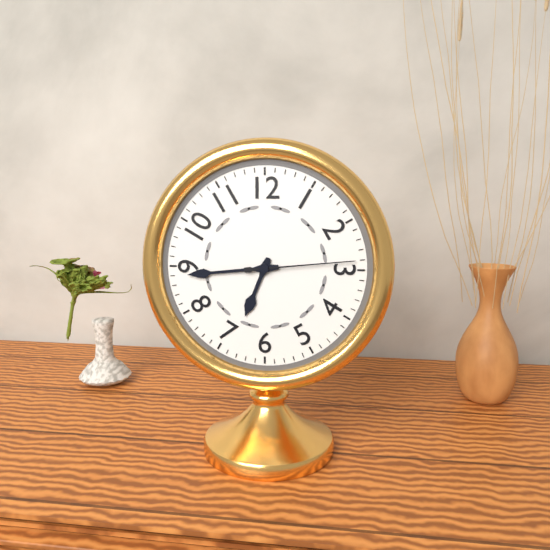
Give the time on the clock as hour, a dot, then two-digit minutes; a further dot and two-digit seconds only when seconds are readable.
6.44.14
